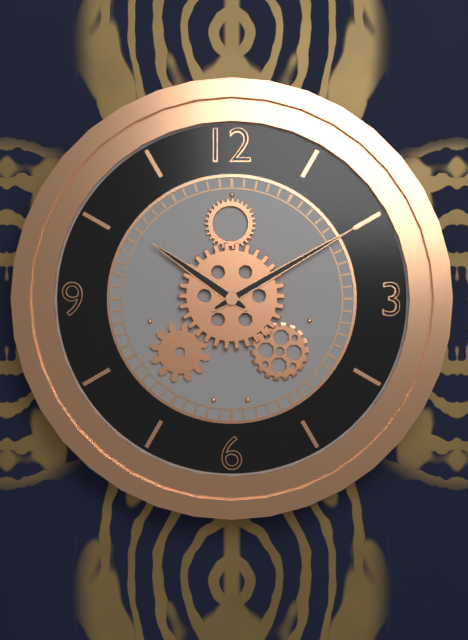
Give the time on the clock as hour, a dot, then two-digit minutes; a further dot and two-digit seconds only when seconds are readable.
10.10
